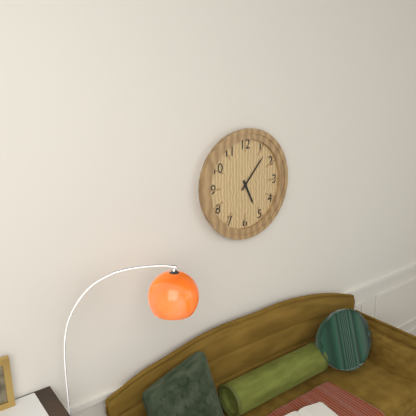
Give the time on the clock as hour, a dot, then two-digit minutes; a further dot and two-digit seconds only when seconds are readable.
5.07
